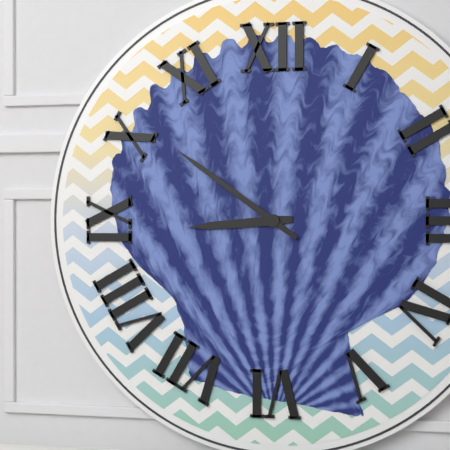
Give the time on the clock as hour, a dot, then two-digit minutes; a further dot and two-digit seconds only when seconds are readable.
8.51
